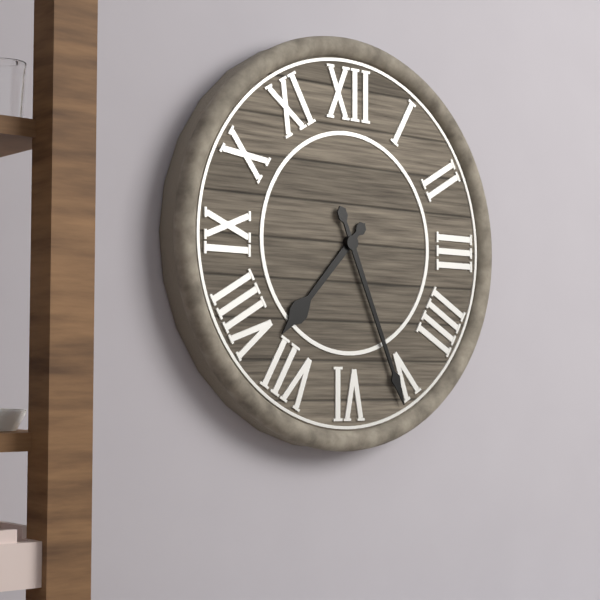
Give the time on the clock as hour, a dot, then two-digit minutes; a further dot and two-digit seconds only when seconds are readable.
7.26
